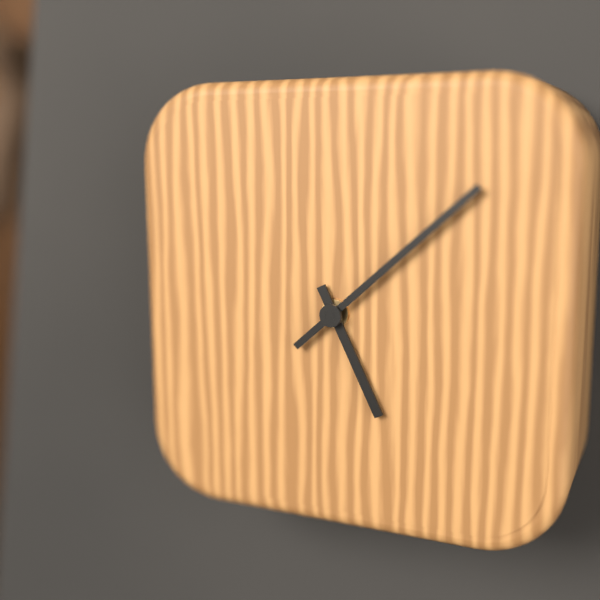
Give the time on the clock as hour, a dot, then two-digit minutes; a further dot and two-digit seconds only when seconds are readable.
5.08
